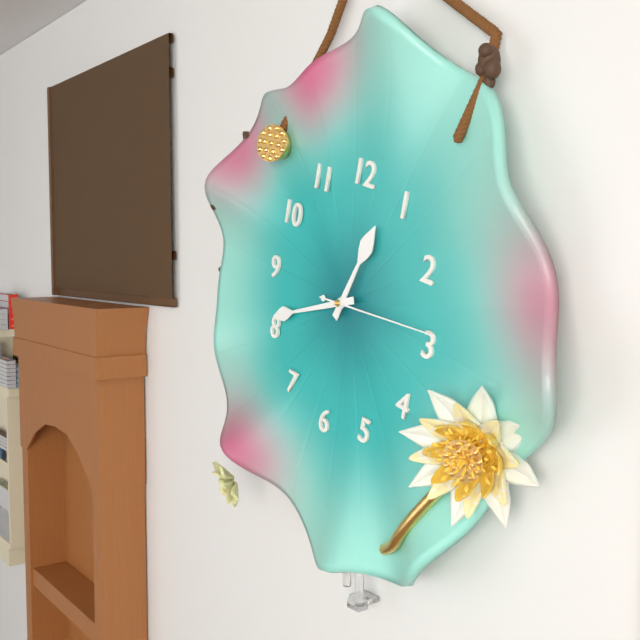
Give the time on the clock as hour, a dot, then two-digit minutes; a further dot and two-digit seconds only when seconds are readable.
12.41.14
